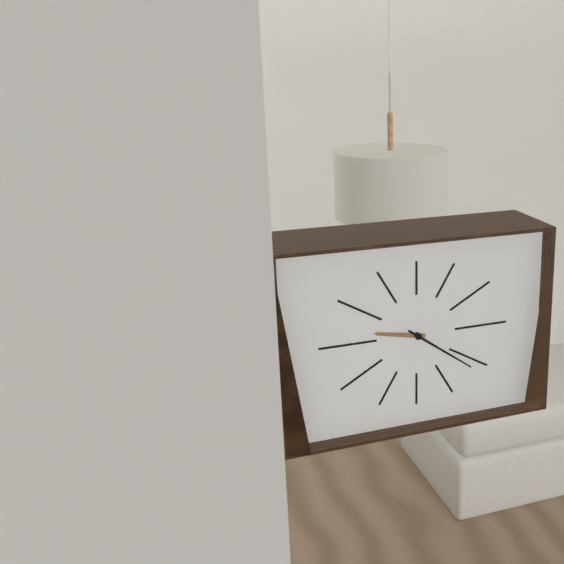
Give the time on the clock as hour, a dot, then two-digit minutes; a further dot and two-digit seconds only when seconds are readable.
9.21
